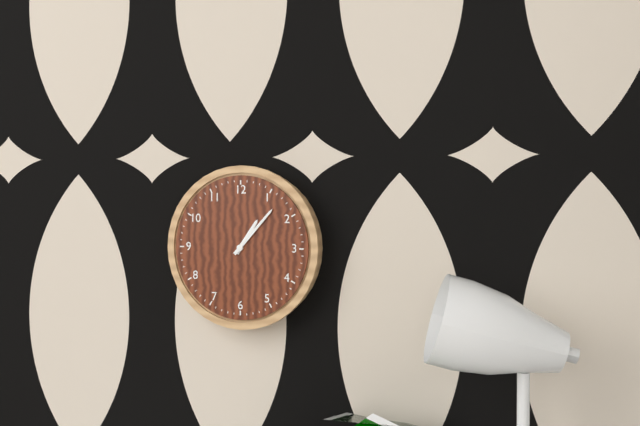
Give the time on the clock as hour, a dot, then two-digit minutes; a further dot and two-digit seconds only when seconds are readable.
1.07
